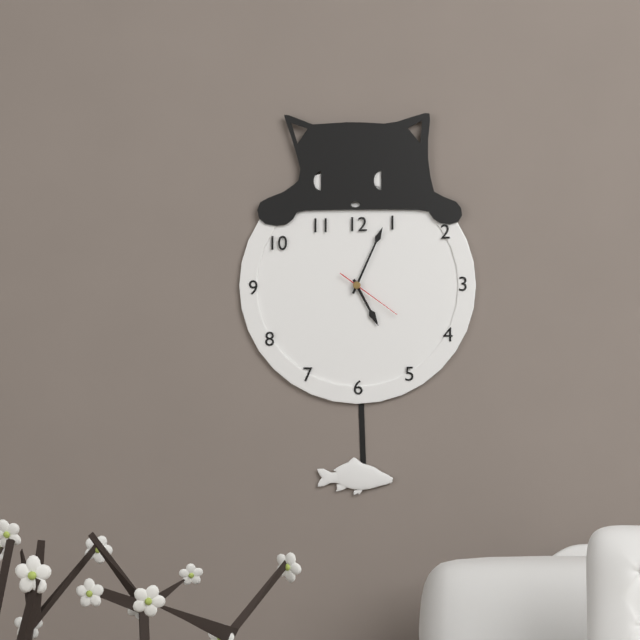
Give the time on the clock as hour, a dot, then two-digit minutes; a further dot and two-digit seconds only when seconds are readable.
5.04.21
